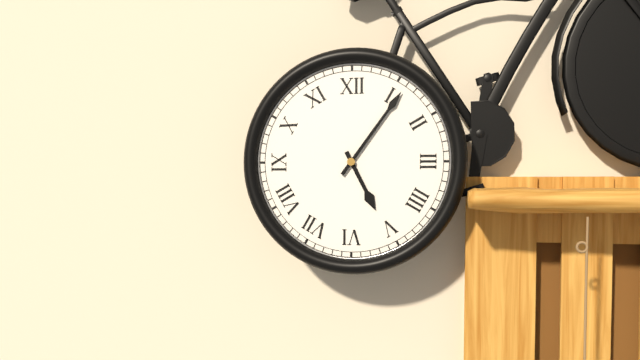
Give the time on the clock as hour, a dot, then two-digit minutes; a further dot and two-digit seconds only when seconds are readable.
5.06
